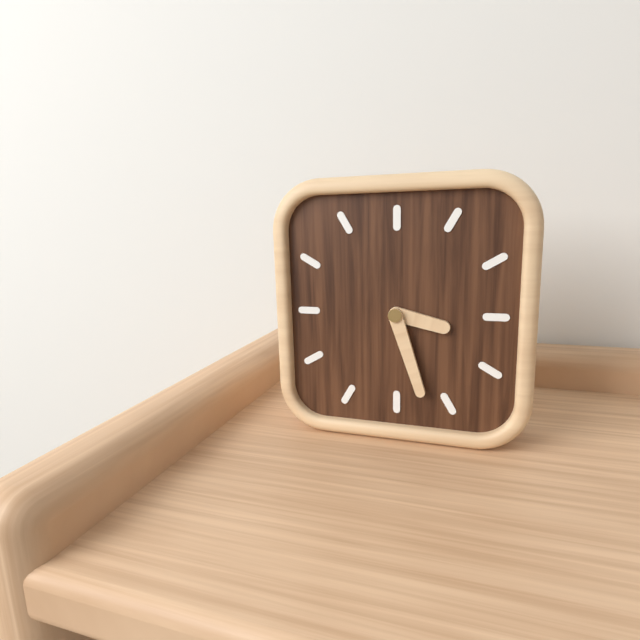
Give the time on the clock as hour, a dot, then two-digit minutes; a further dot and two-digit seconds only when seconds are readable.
3.27
